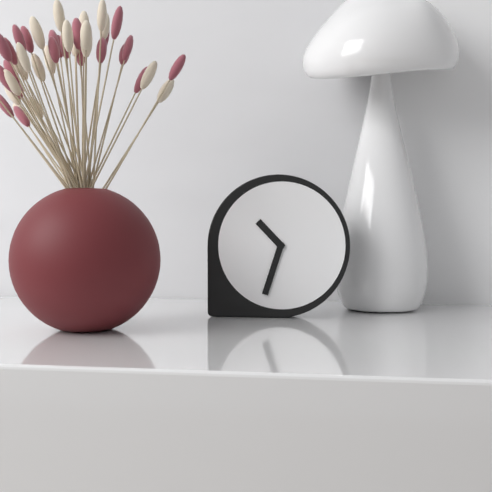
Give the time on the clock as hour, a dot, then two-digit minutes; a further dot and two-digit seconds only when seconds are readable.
10.33
